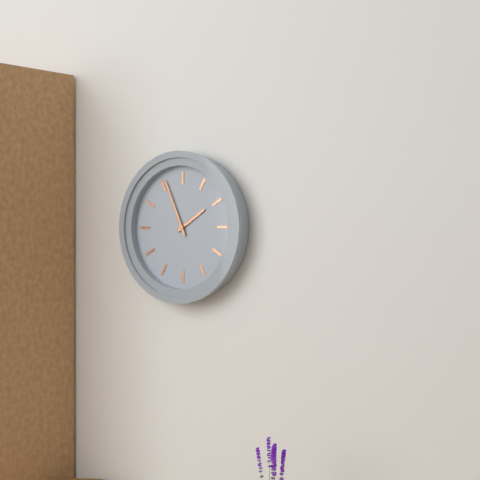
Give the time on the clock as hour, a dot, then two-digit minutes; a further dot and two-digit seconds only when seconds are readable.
1.56
